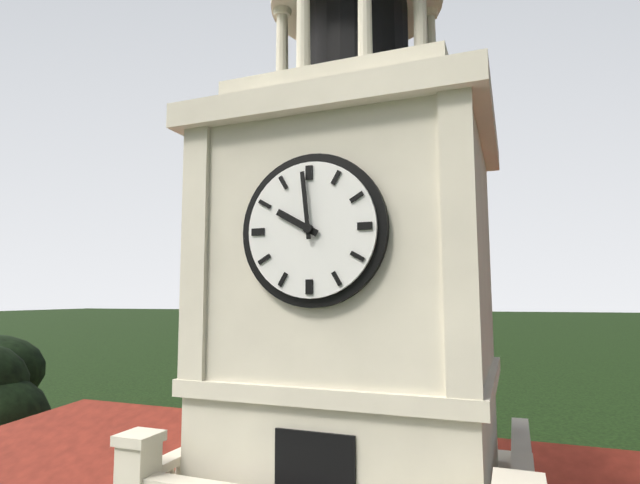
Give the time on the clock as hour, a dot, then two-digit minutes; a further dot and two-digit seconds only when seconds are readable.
9.59
